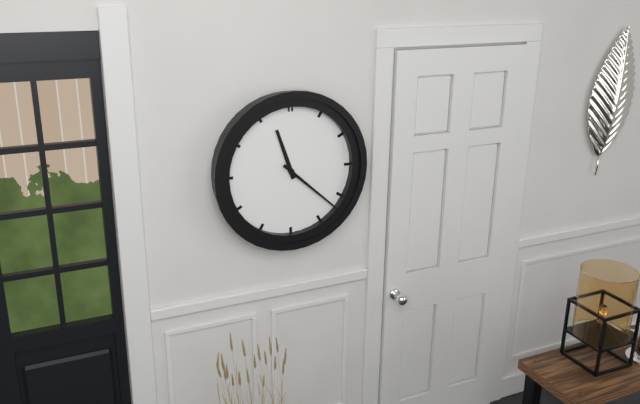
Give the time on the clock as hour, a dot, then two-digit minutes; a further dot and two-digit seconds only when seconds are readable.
11.22
